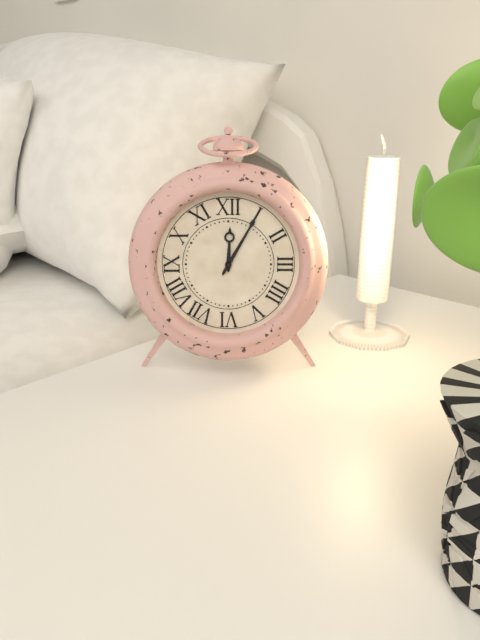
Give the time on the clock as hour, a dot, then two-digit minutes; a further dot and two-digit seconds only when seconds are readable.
12.05
